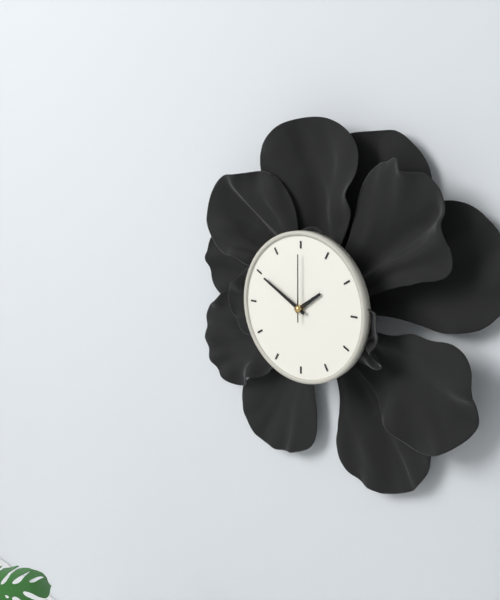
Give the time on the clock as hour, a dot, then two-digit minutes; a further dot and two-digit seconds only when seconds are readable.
1.50.00
